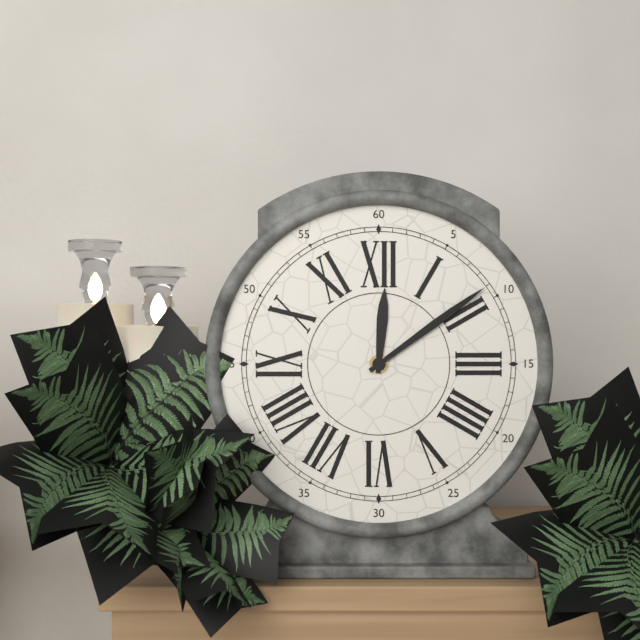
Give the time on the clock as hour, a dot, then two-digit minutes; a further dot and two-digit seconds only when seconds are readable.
12.09
